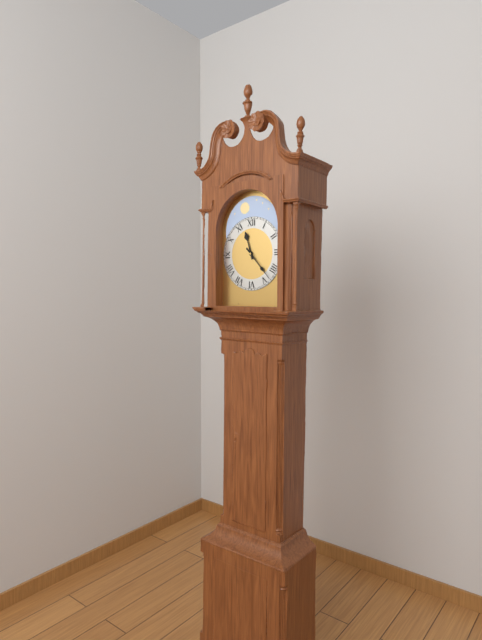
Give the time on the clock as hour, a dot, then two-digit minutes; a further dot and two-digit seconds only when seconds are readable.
11.23
